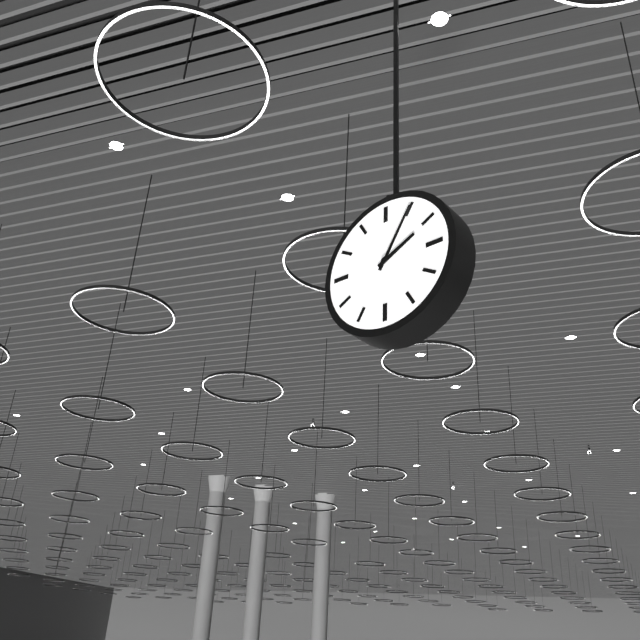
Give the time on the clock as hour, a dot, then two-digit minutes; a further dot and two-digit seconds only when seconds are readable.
2.05
